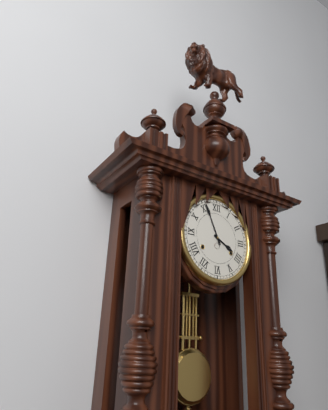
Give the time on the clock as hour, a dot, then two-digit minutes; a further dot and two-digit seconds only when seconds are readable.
3.56
